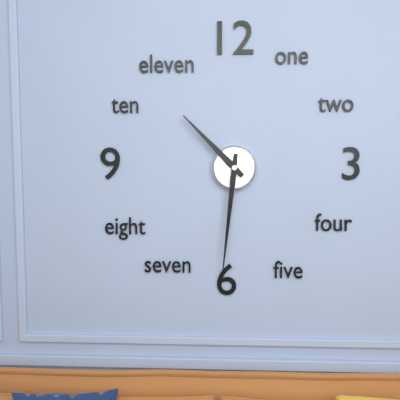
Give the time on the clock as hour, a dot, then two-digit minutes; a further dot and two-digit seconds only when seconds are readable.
10.31
